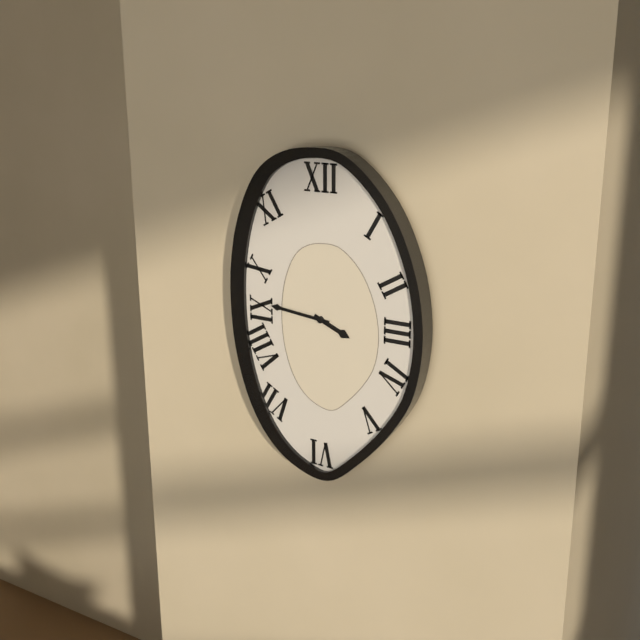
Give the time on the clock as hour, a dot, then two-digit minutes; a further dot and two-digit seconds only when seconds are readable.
3.46
